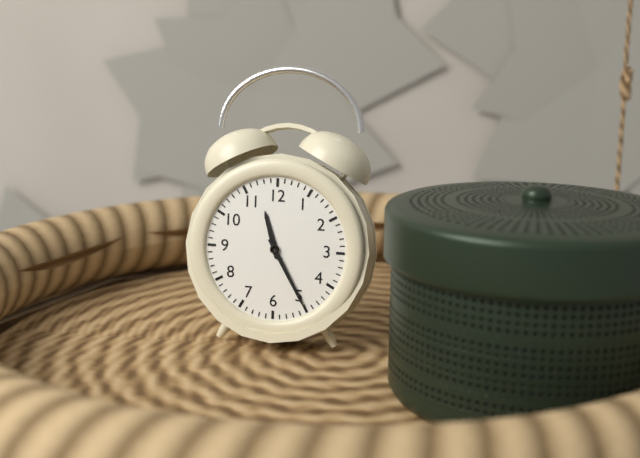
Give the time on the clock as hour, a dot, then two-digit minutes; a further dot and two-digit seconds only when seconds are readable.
11.25
